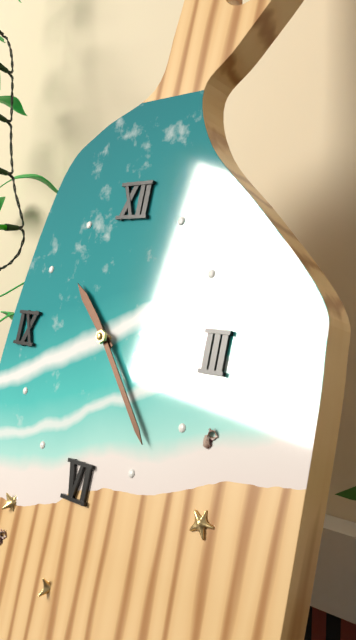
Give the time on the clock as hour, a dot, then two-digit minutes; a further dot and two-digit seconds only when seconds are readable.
10.23
